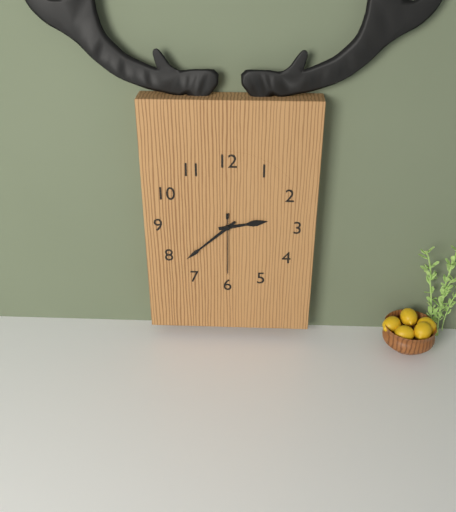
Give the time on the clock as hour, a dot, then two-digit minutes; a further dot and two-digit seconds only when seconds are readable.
2.38.30
